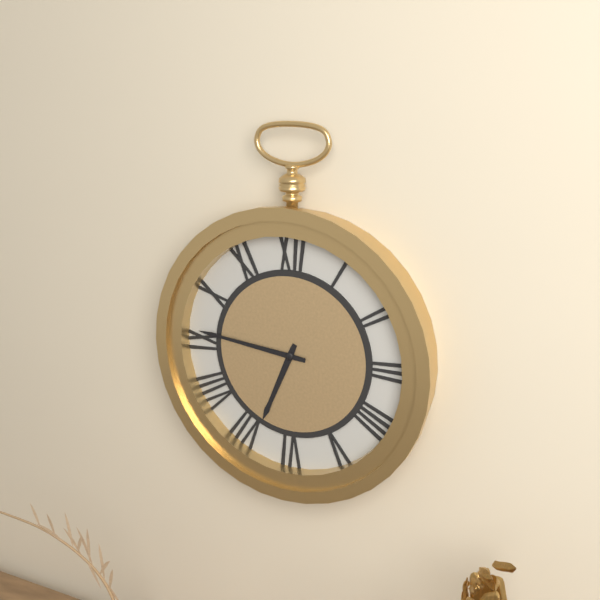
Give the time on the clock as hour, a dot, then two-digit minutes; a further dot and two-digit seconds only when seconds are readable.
6.46
